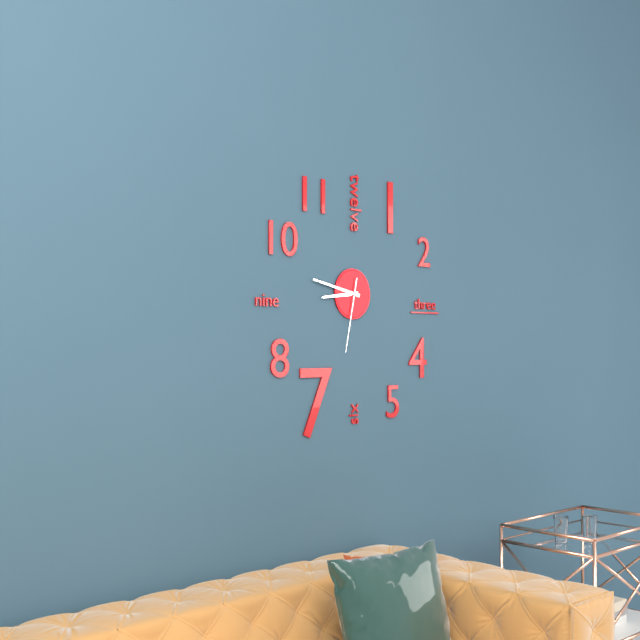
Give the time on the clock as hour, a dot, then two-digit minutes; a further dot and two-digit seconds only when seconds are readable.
8.47.32
